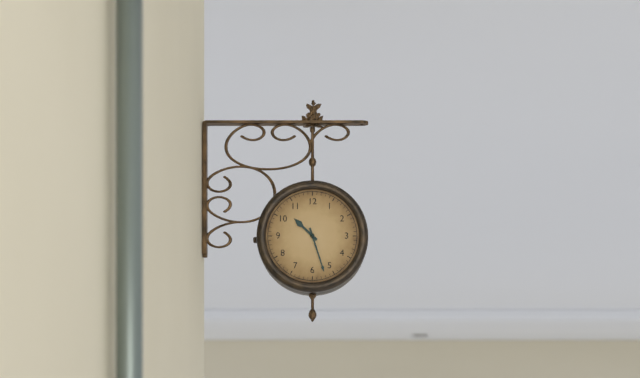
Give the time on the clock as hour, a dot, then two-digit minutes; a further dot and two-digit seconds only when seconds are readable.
10.27
